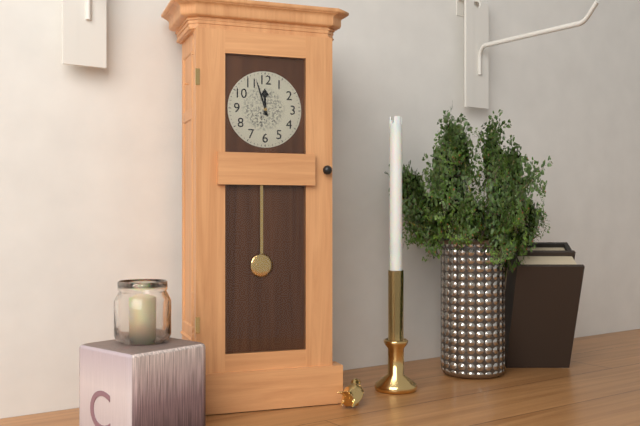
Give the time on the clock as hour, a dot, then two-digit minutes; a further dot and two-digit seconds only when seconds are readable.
11.57
